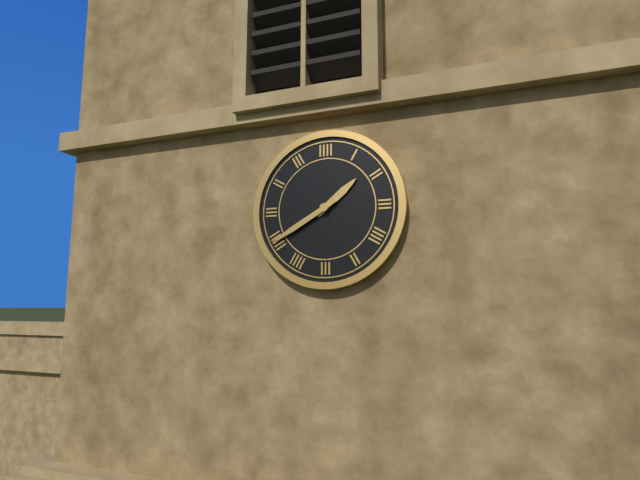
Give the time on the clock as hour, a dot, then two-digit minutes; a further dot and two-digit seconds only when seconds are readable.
1.40
